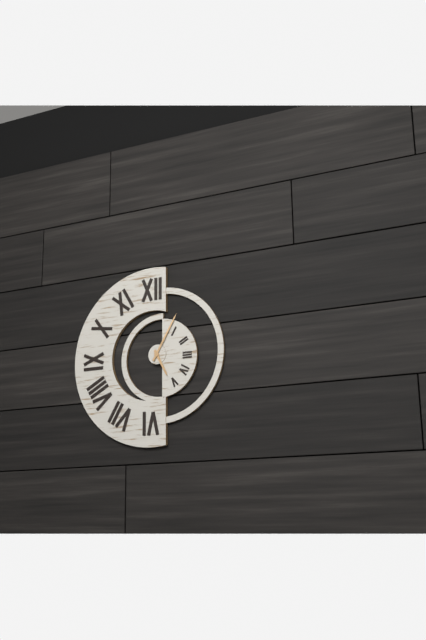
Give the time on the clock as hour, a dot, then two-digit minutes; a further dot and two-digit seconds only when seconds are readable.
5.05
